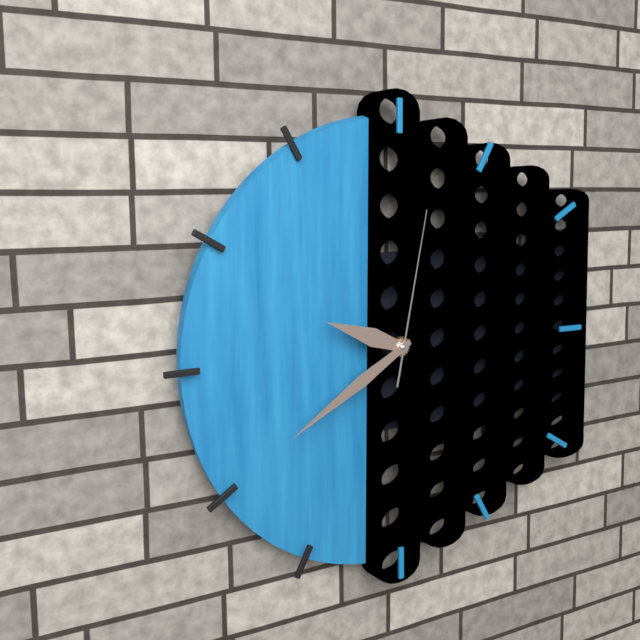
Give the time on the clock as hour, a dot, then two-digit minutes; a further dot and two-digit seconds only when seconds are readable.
9.40.02
